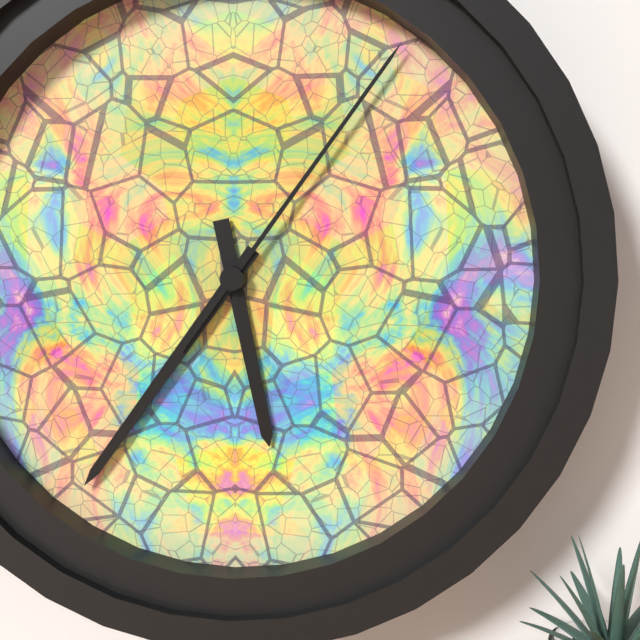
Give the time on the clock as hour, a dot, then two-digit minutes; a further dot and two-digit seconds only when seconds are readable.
5.36.06
